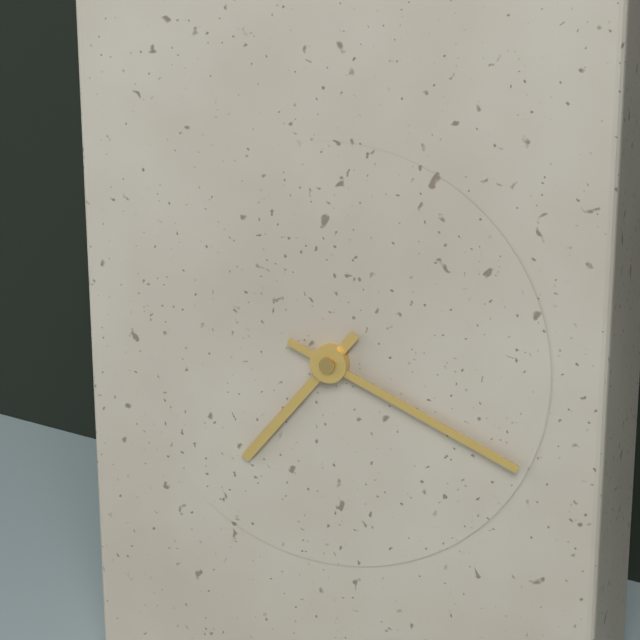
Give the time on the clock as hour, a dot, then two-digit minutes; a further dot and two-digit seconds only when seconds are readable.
7.19
